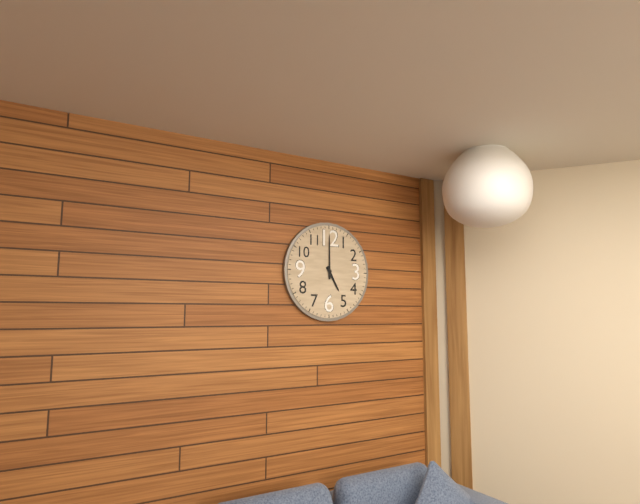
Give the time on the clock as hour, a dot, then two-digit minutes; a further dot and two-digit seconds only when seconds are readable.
5.00
